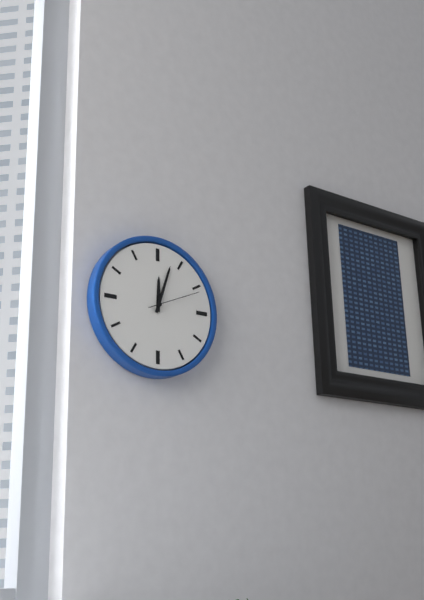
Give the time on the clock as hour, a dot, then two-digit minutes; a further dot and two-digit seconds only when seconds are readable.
12.03.11
